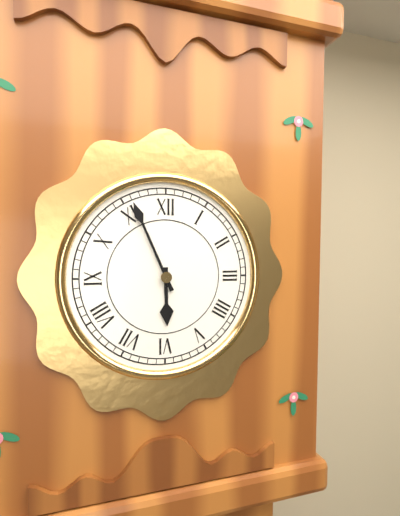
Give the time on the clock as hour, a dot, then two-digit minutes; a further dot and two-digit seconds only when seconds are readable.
5.56
